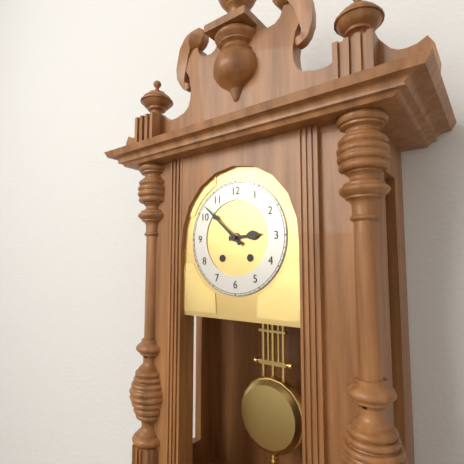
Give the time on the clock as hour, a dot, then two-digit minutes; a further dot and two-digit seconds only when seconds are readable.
2.52
